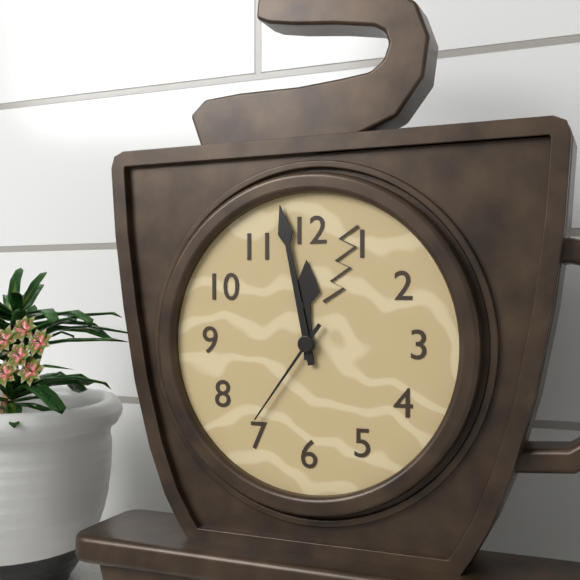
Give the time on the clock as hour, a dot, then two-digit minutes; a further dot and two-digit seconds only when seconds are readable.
11.58.36
